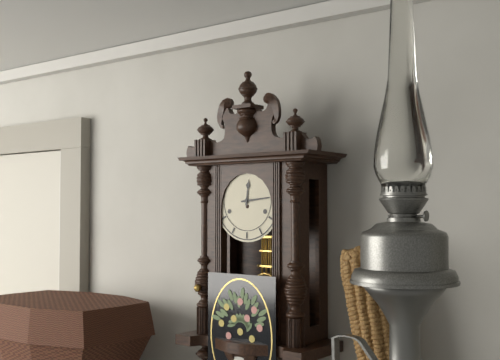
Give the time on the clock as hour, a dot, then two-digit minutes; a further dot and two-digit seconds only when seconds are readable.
12.14
